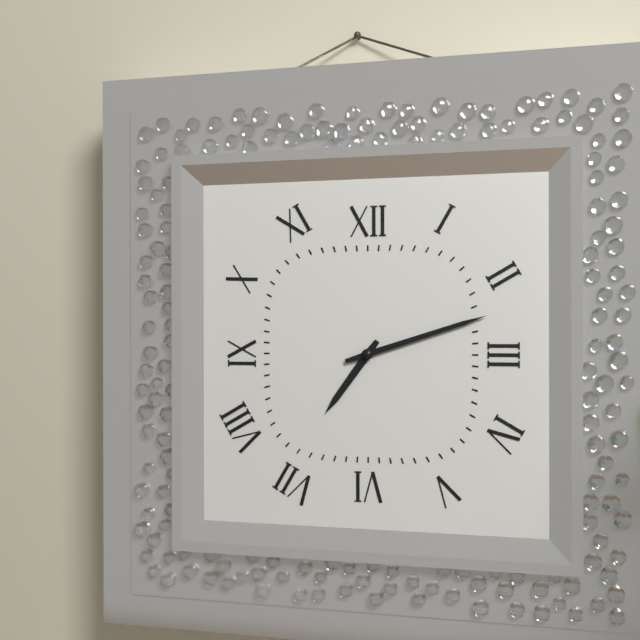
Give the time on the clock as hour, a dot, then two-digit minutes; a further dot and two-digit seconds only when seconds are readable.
7.12
